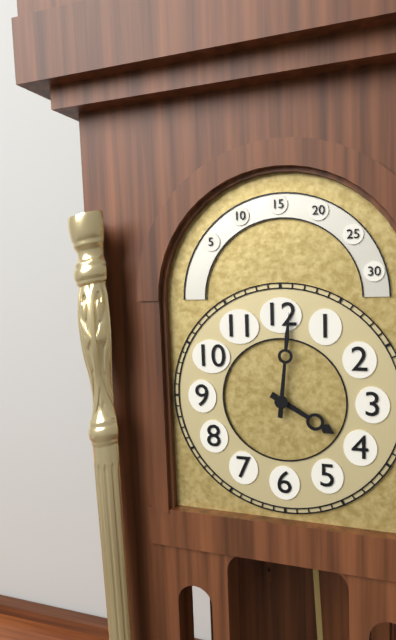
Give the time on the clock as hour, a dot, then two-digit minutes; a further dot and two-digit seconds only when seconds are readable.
4.01
